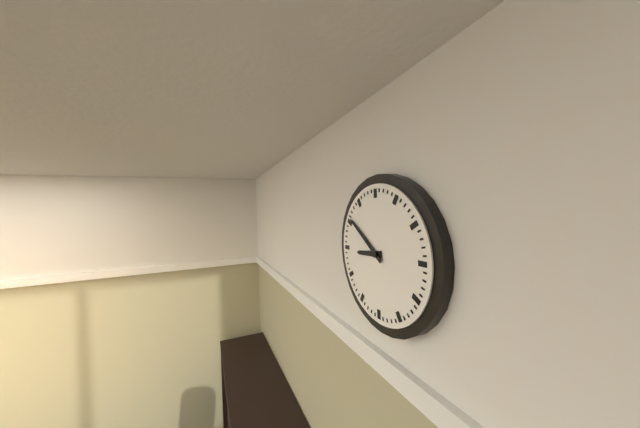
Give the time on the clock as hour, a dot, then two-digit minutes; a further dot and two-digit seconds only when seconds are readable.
8.51
